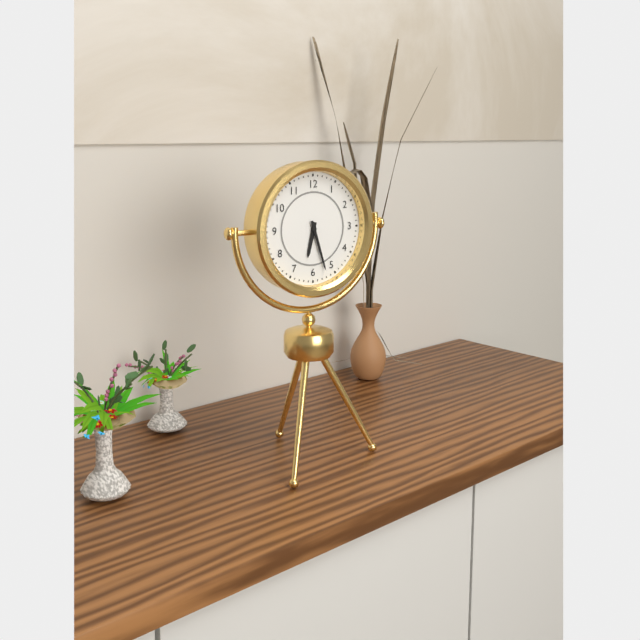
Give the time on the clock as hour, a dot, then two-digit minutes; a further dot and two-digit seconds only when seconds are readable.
6.27
